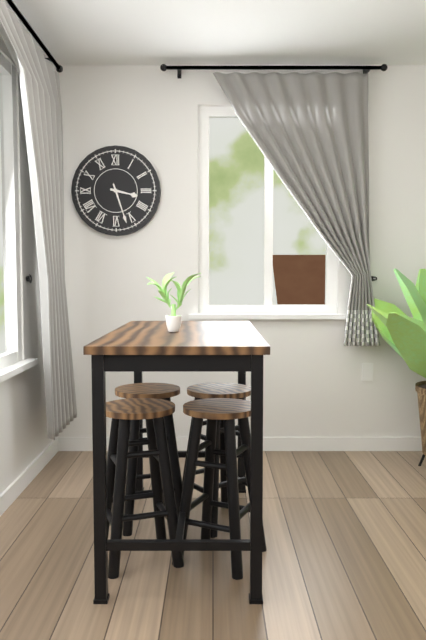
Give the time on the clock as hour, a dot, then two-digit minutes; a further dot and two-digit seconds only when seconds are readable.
3.27
